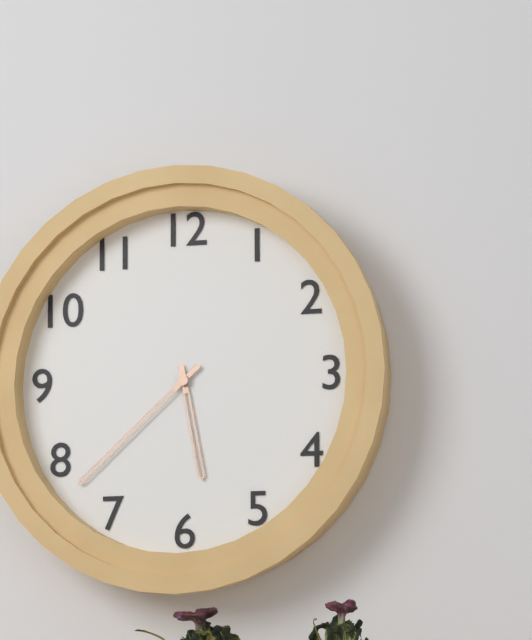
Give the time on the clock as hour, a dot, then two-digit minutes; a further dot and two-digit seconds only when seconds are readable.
5.38
